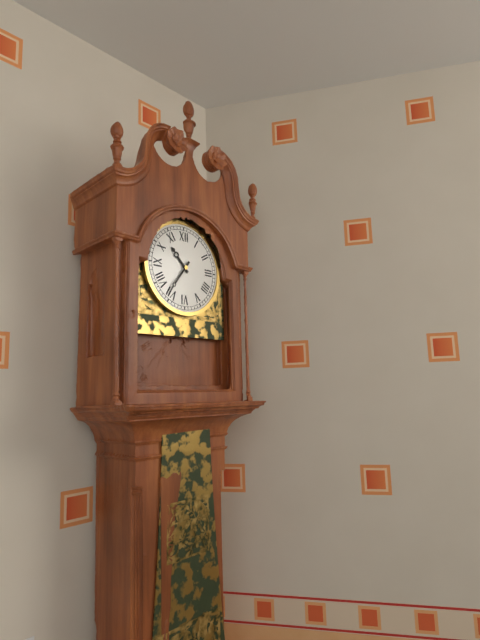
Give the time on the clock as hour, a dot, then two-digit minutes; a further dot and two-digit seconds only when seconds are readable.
10.36
